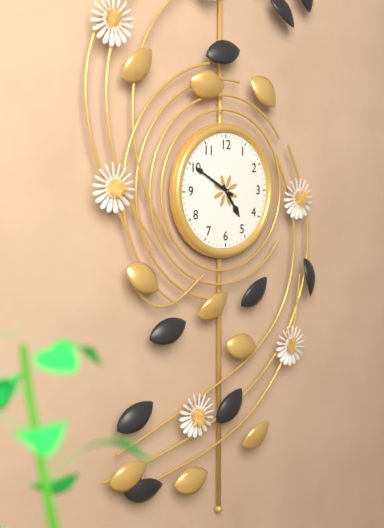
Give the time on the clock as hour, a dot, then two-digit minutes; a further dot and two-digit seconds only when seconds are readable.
4.50
